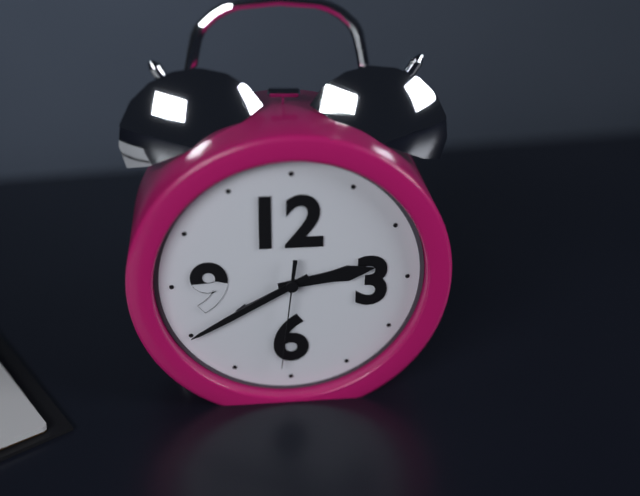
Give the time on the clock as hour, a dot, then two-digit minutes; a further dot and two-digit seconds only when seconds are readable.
2.40.31
